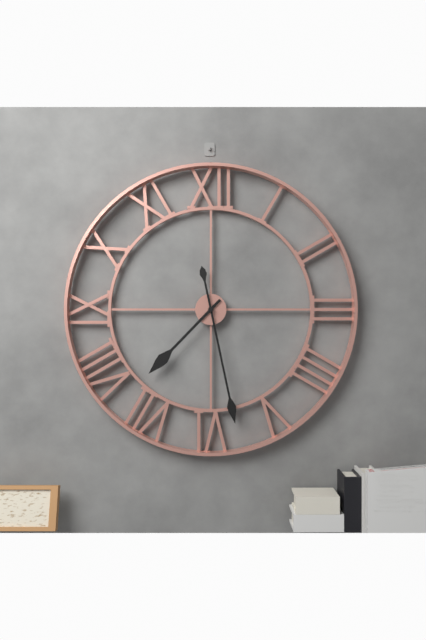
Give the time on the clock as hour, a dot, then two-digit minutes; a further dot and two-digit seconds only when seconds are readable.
7.28
